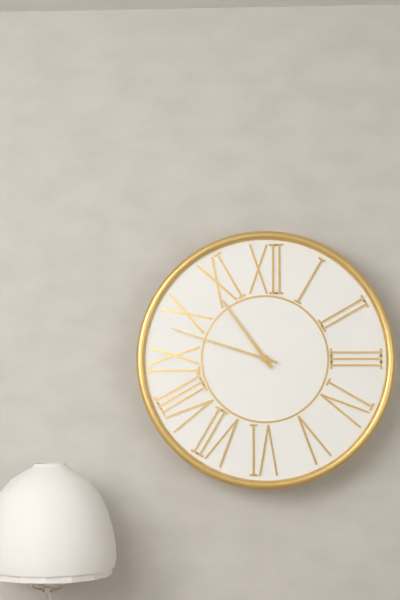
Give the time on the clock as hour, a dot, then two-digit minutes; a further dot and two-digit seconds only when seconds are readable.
10.48
